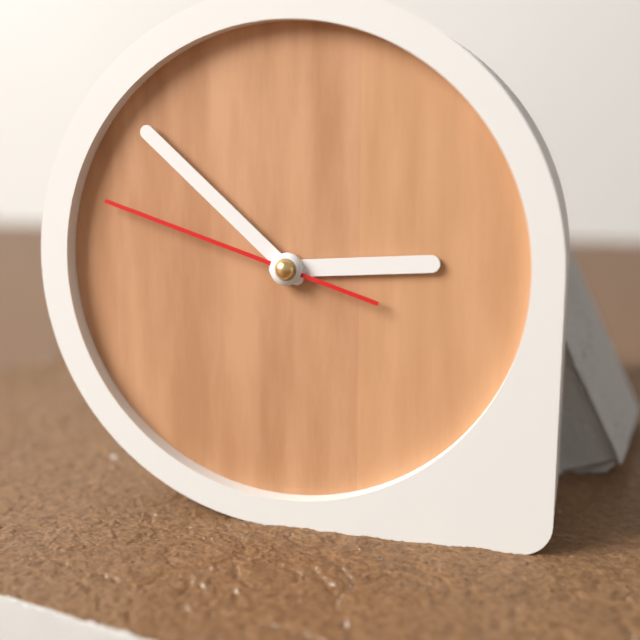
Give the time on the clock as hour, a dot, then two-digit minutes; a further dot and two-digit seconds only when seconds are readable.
2.52.48
